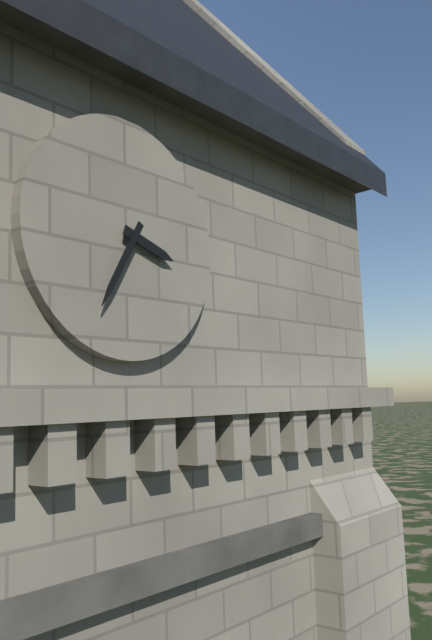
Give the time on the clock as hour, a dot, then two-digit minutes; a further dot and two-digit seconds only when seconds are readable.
3.35
